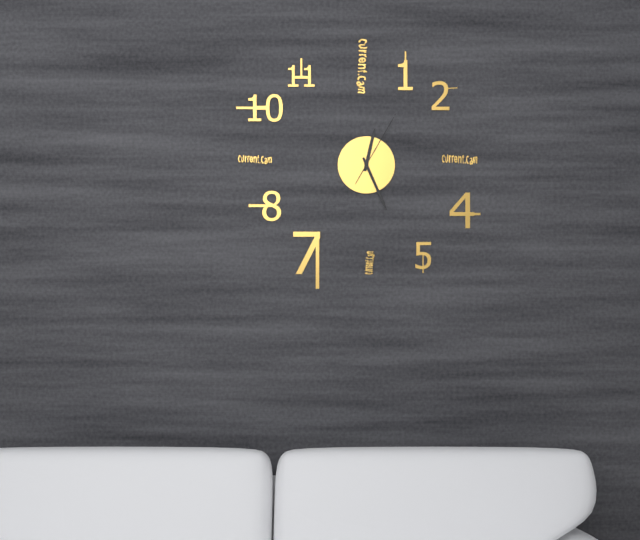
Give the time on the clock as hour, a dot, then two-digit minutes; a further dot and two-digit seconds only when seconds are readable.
12.26.05
